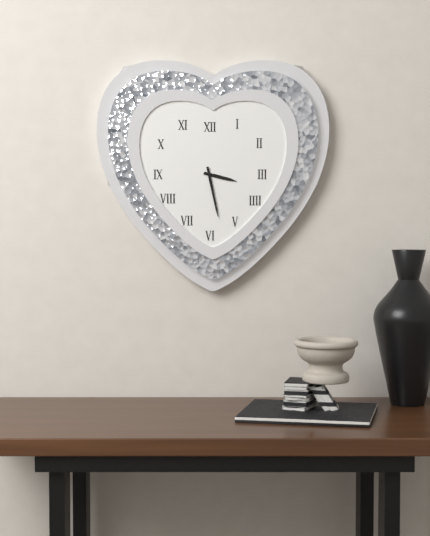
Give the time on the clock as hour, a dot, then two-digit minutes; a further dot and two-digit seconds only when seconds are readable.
3.28
